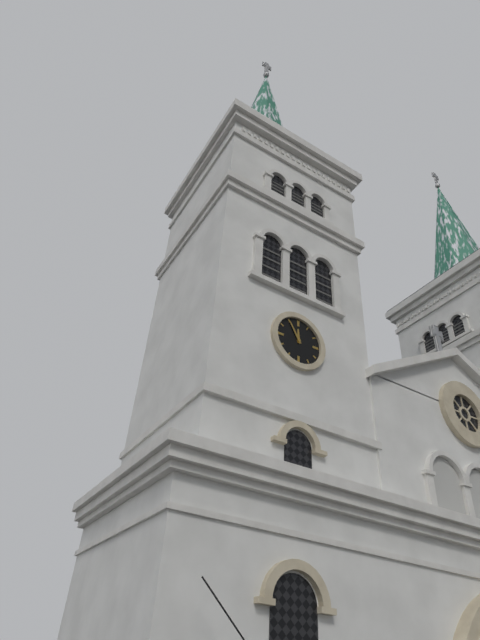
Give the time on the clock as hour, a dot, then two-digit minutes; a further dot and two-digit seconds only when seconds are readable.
11.55
